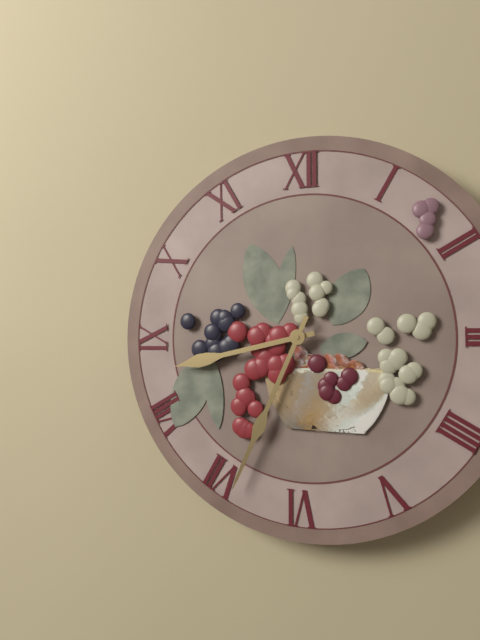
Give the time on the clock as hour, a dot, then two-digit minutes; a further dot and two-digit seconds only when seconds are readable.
8.34
